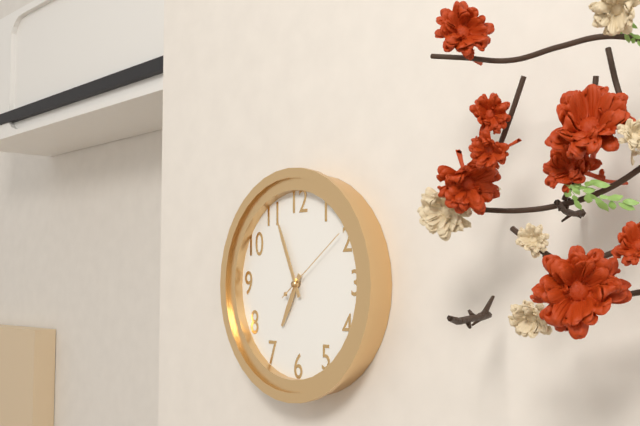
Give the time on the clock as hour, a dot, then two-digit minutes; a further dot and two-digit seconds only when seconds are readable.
6.56.09
